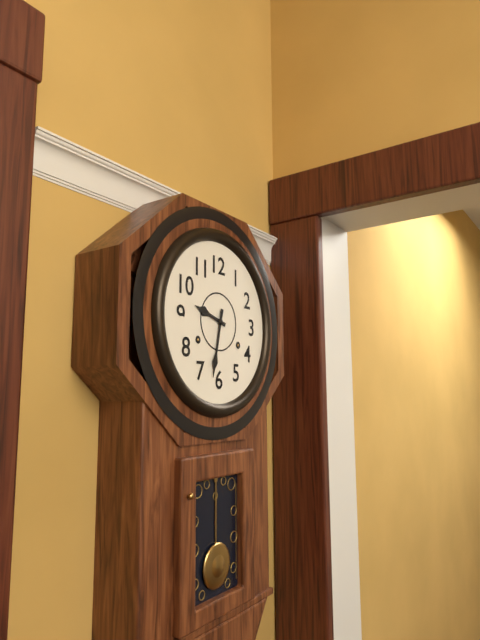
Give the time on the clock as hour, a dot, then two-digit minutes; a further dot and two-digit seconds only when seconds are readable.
9.32
